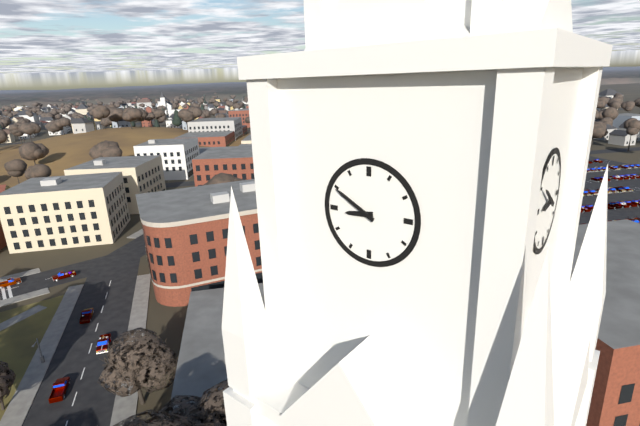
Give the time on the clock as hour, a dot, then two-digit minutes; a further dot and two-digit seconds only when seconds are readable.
8.50
